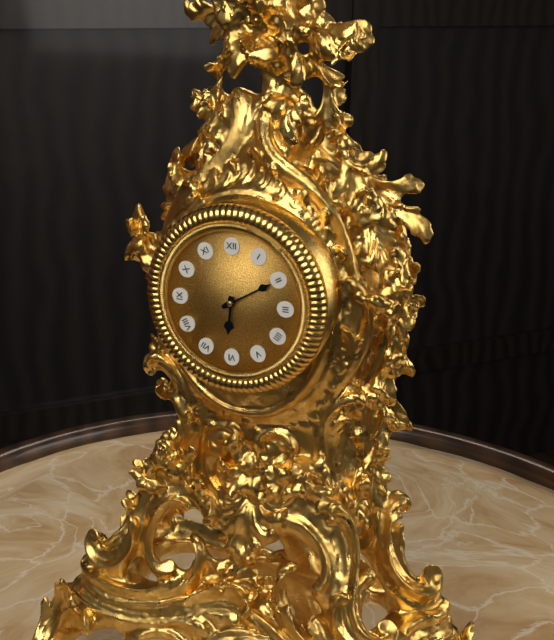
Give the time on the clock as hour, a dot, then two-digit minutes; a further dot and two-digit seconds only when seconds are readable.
6.10
